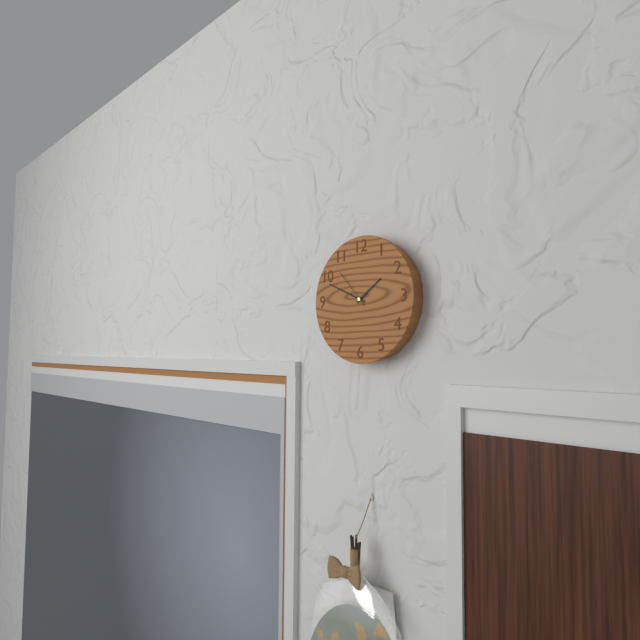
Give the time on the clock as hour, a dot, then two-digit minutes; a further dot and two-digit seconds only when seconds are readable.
1.49
